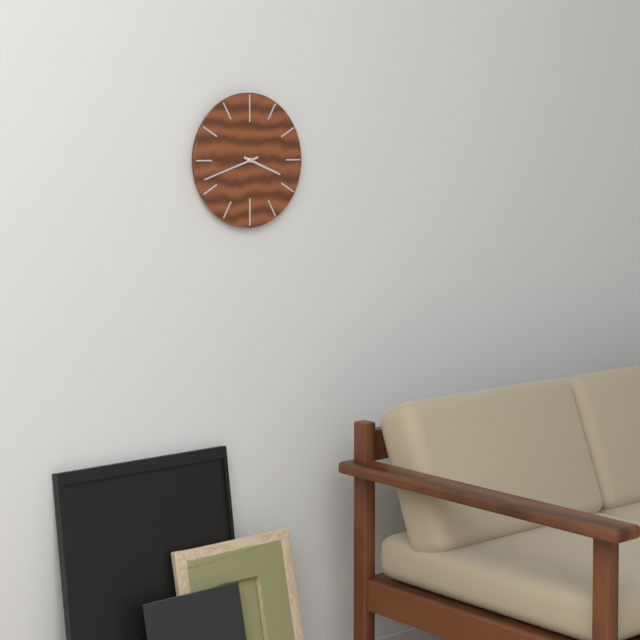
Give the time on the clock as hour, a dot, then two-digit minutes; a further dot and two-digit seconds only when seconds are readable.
3.42
